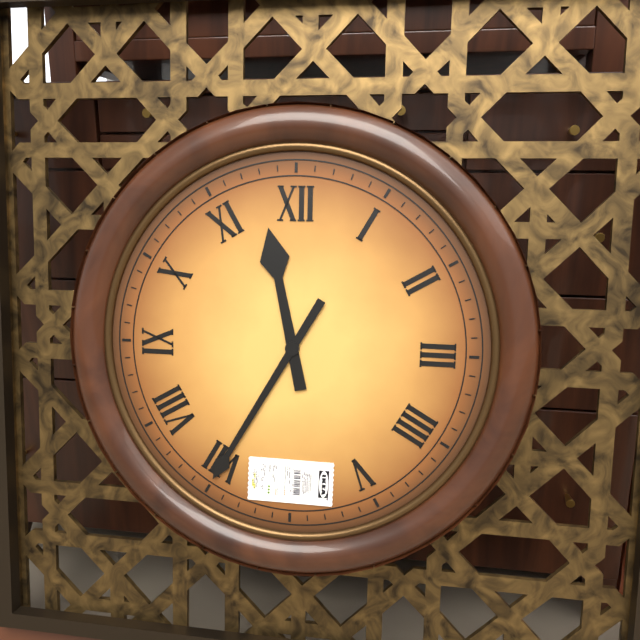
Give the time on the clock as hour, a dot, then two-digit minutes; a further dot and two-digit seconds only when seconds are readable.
11.35
